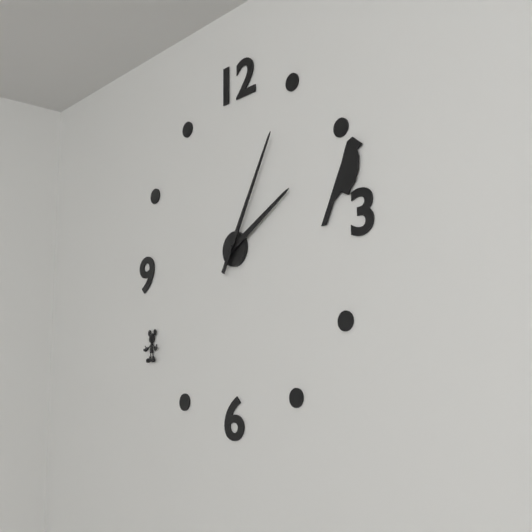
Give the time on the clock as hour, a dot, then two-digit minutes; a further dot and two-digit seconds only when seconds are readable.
2.05
